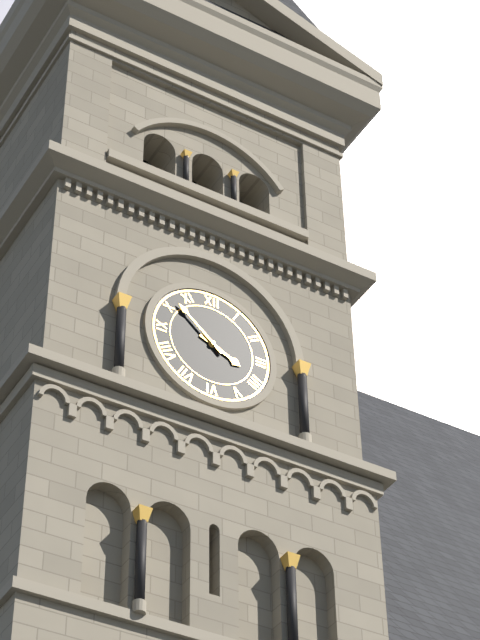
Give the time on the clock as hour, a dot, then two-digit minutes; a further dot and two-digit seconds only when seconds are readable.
3.52
